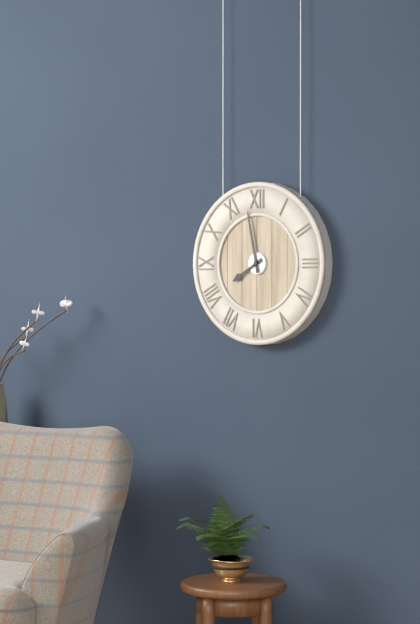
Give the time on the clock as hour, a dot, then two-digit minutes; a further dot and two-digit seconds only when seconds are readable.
7.58
